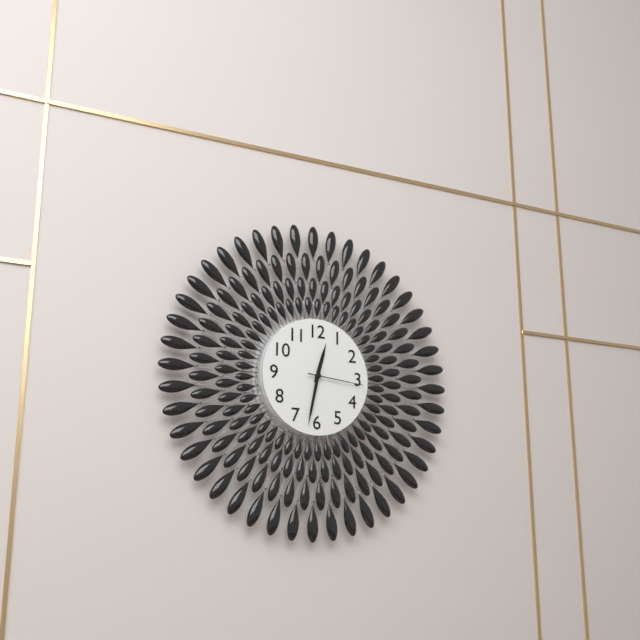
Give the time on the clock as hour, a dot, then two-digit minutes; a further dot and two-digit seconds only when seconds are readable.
12.32.16
